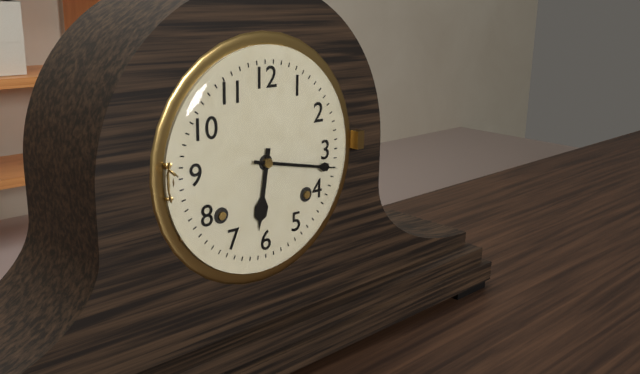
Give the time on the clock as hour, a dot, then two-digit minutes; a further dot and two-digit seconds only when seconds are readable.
6.17
